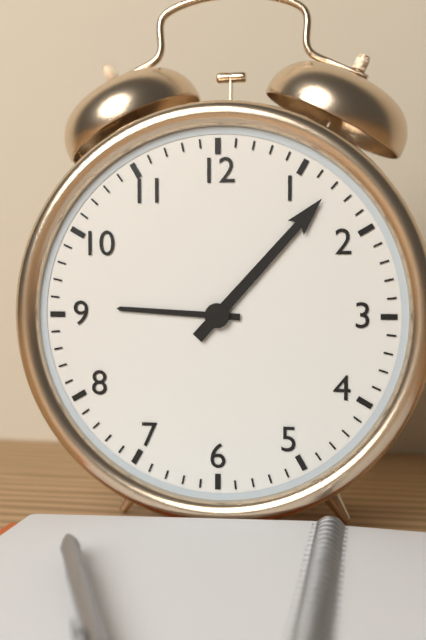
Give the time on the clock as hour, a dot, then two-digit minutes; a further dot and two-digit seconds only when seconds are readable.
9.07
